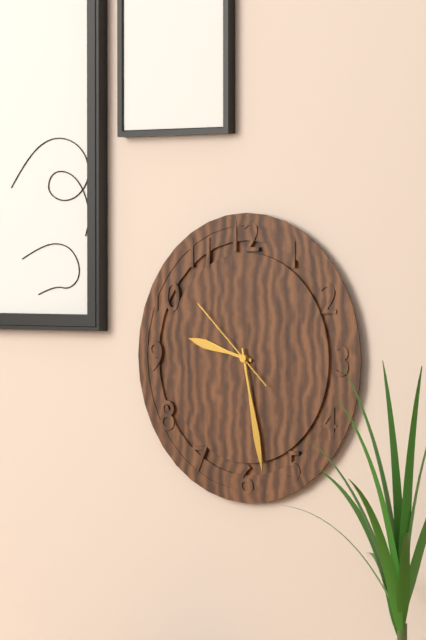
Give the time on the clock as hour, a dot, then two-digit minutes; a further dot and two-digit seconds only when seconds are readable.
9.28.52
